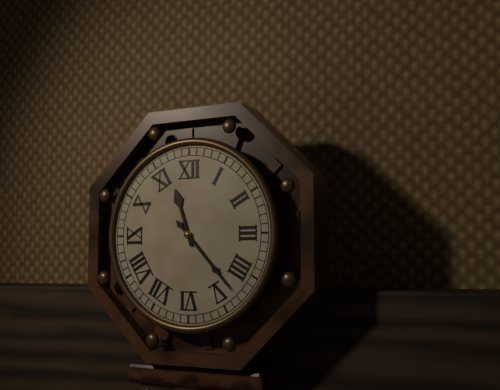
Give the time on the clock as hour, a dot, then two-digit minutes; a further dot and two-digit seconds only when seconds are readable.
11.23
